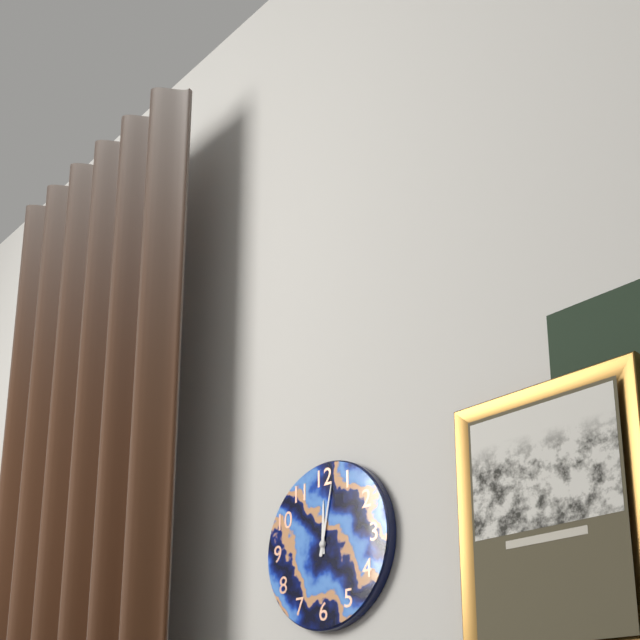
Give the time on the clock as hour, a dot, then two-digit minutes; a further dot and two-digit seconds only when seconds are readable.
12.02
